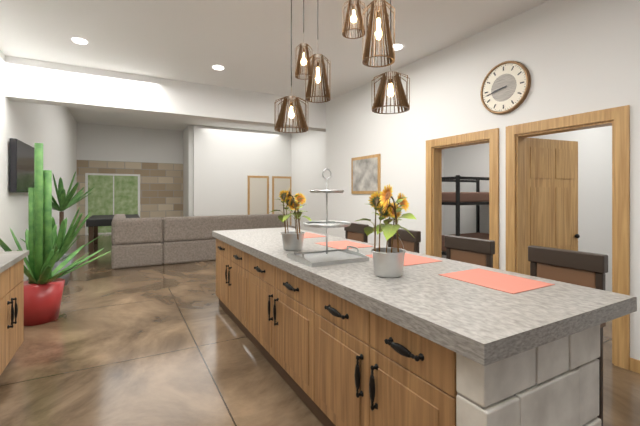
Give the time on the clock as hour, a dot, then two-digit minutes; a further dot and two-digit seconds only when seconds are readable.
8.43
